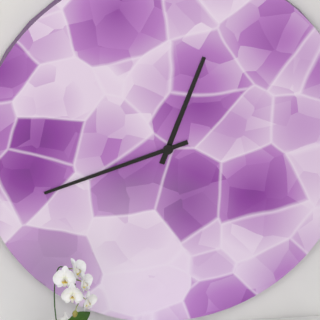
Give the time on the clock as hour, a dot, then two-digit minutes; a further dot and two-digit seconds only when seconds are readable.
12.42
